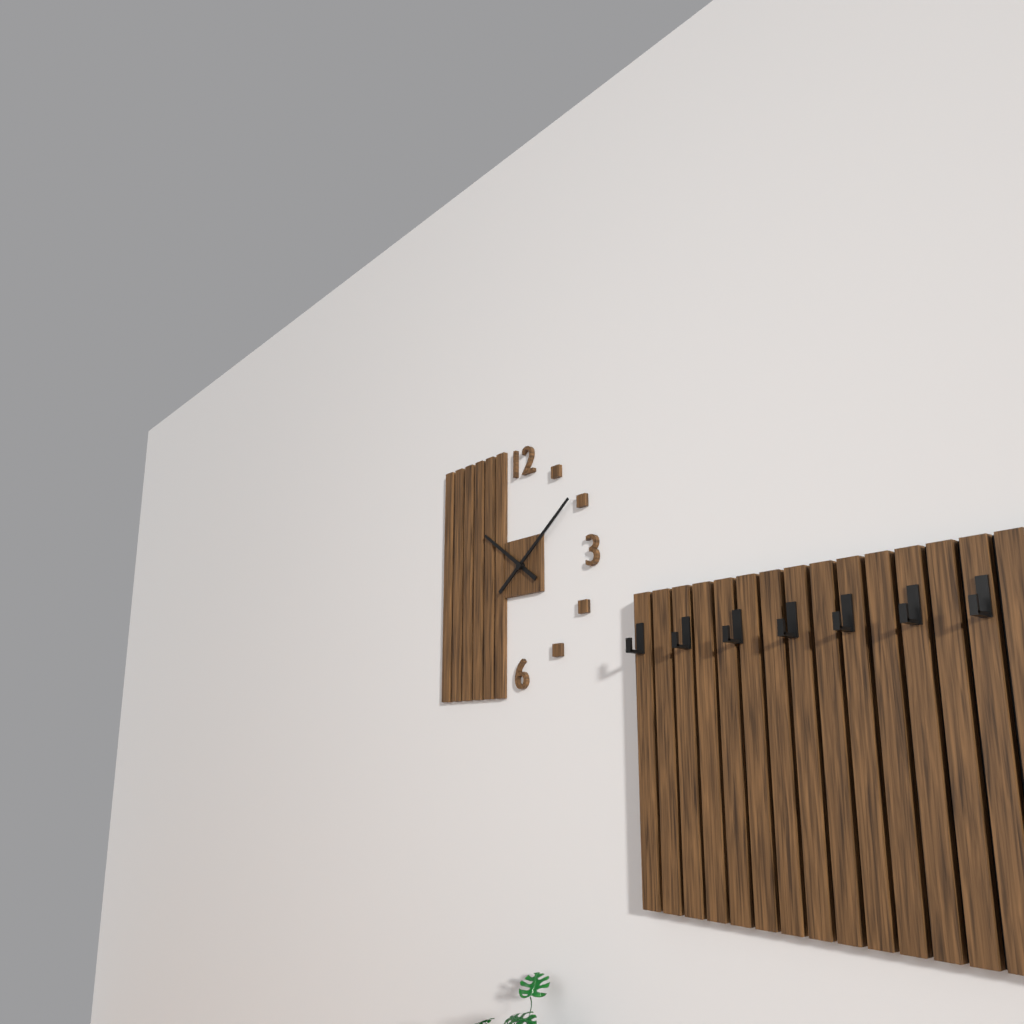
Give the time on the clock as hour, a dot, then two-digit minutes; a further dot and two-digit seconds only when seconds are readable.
10.09
